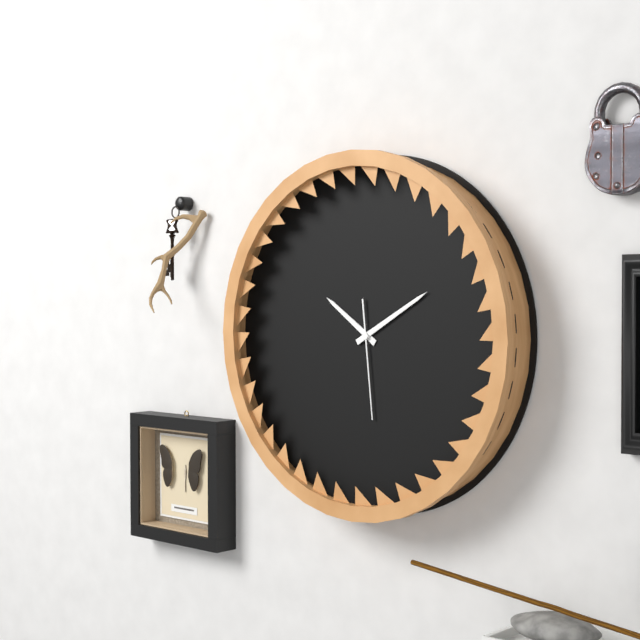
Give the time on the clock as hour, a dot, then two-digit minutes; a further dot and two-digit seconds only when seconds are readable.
10.10.29
